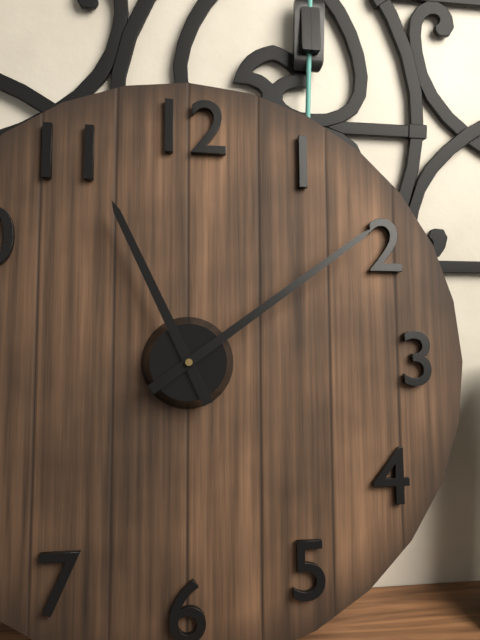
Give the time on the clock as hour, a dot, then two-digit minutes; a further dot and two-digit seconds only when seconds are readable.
11.09
